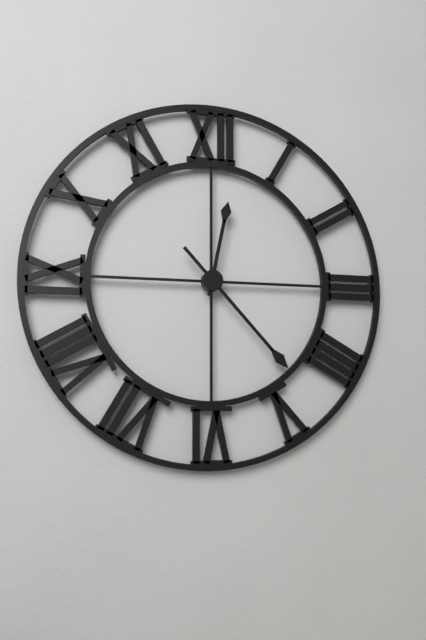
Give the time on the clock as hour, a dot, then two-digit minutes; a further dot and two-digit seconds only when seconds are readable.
12.23
